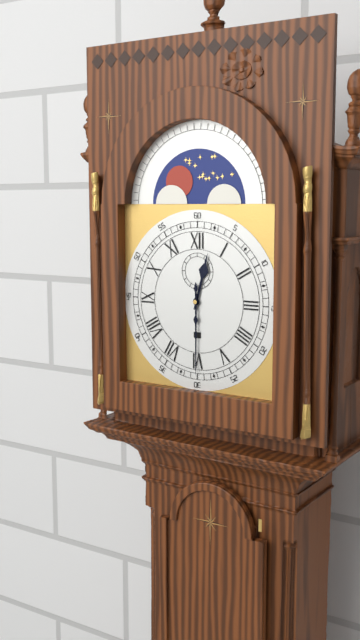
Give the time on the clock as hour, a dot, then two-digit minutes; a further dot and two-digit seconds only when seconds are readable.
12.30
